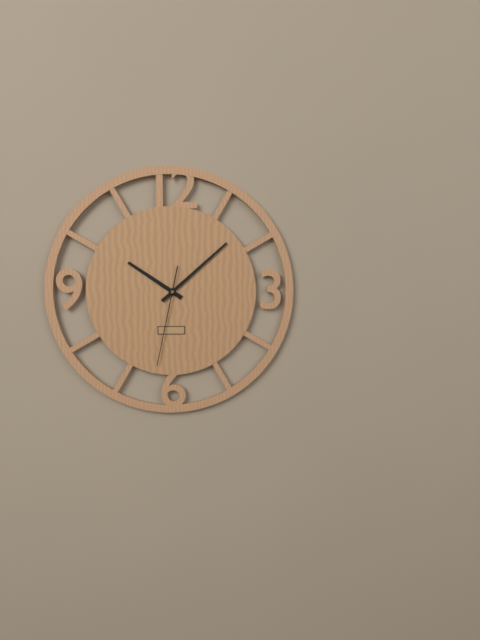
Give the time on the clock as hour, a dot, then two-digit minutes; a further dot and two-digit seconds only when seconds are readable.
10.08.32
